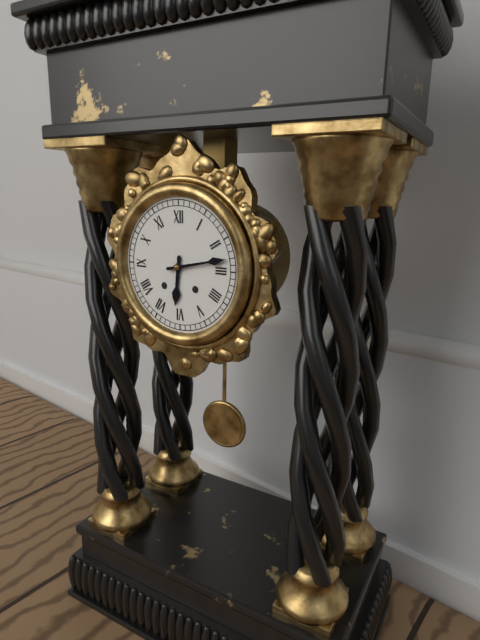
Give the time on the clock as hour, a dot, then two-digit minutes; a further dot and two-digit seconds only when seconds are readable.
6.13
